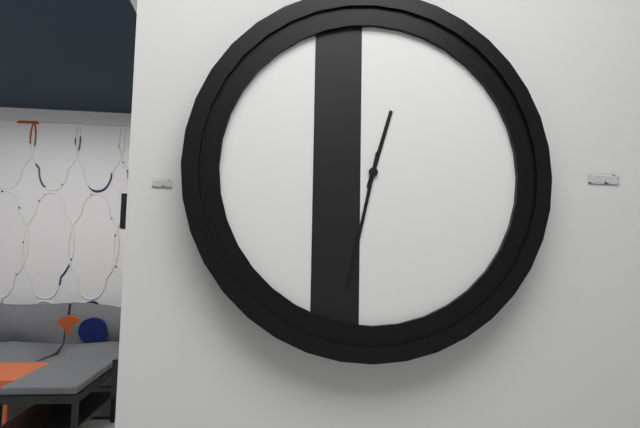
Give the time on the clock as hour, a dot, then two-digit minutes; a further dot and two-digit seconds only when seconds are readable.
12.32
